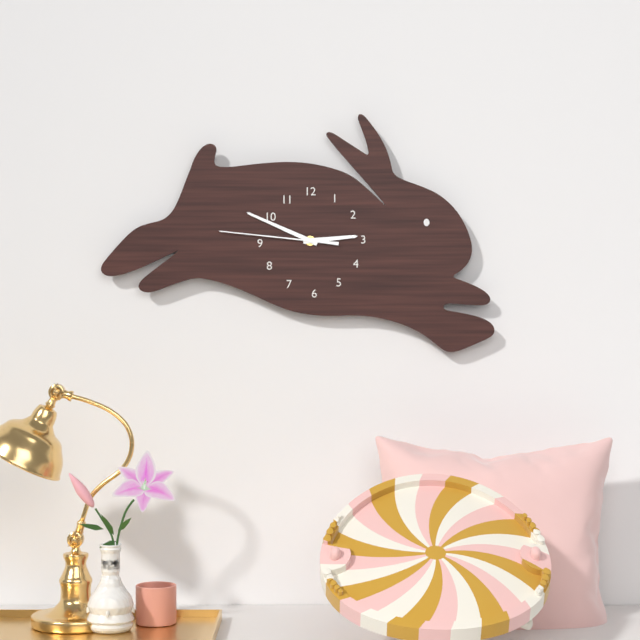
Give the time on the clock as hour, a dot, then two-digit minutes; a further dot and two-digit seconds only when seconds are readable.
2.49.46
